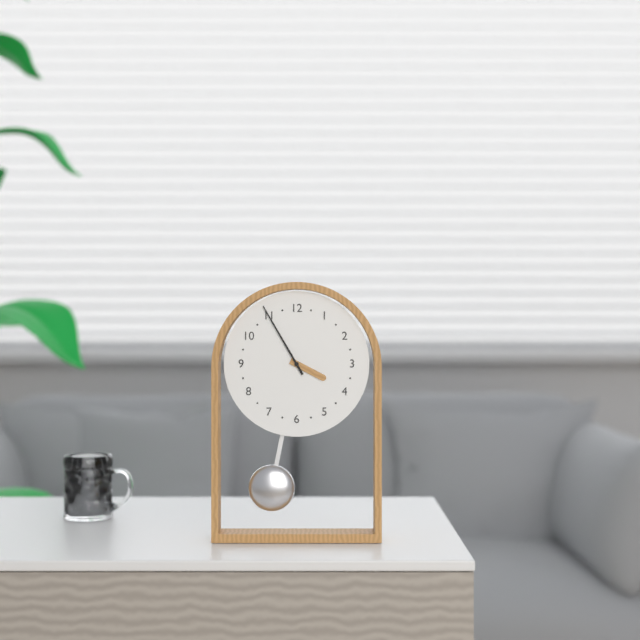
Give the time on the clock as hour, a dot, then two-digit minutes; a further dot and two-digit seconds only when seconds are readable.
3.55
